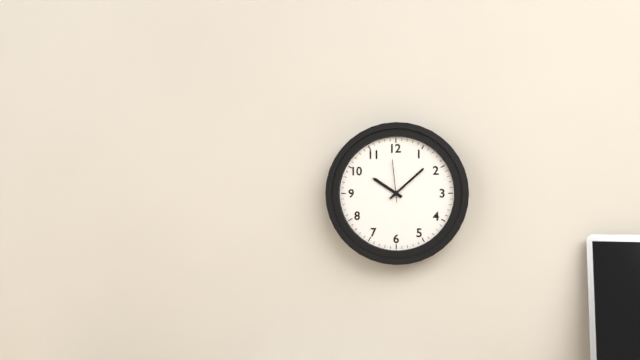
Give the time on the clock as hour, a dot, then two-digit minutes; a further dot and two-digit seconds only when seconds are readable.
10.08
